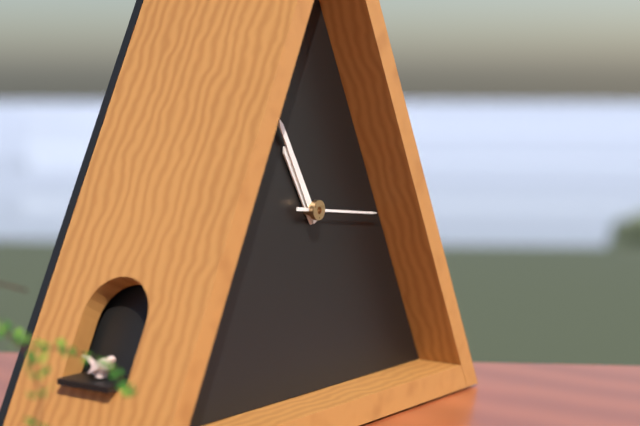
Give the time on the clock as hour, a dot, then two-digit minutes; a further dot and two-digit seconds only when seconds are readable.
10.55.16
